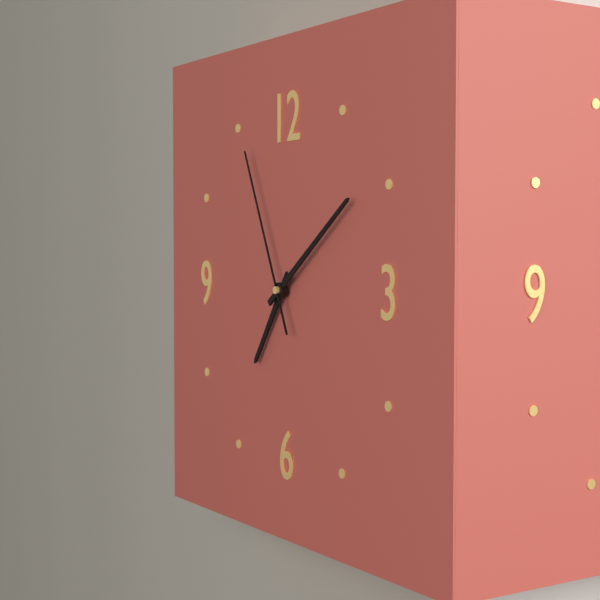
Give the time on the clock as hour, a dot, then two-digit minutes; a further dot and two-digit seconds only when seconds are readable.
7.09.56
